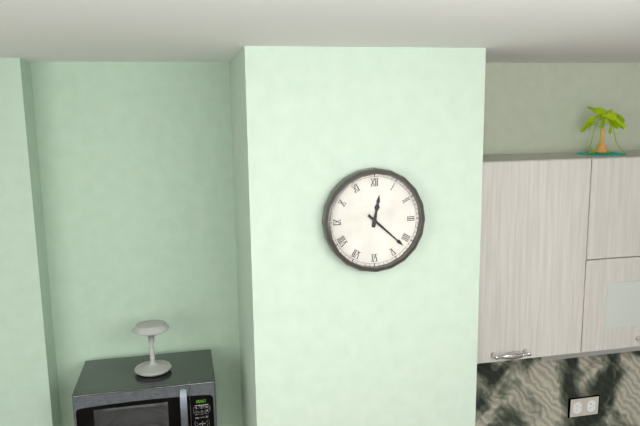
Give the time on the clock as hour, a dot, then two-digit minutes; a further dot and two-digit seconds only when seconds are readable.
12.22
